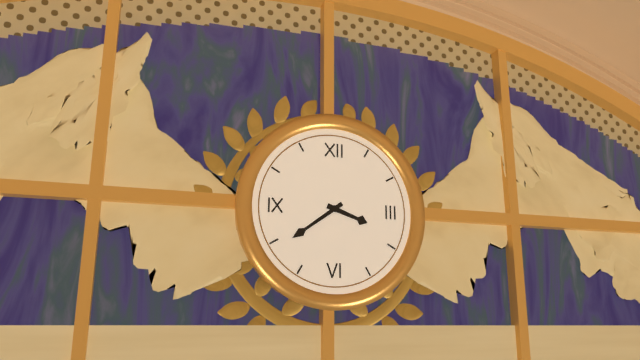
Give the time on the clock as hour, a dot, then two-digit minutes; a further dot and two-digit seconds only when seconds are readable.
3.39
